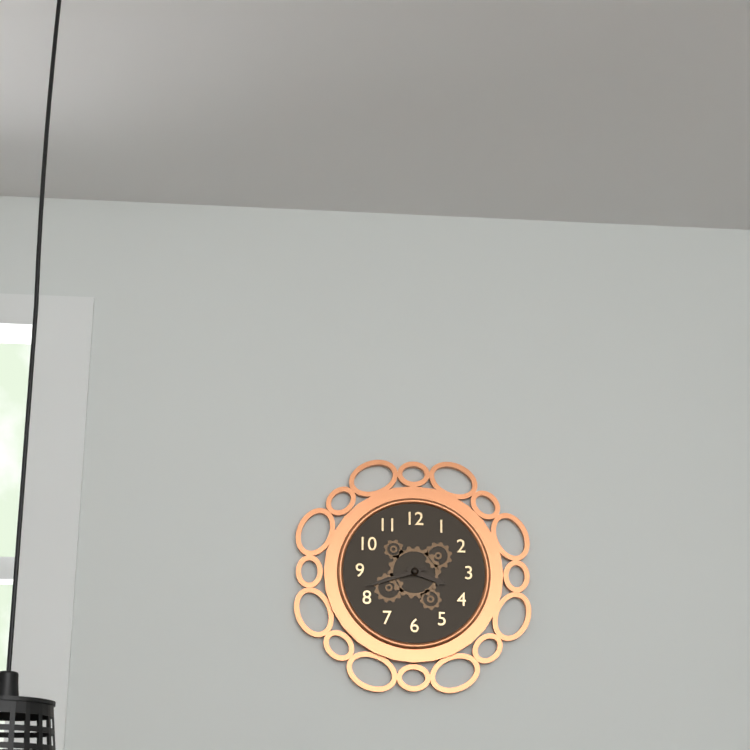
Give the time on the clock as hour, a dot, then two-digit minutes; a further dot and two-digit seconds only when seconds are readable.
3.42
